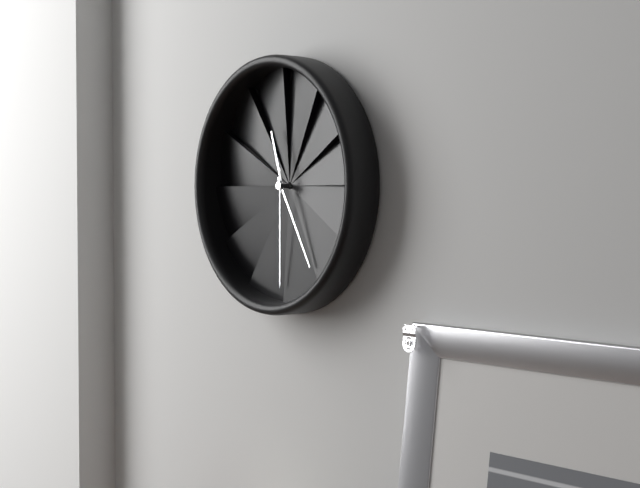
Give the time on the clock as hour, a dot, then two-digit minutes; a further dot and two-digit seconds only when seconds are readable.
11.25.30
